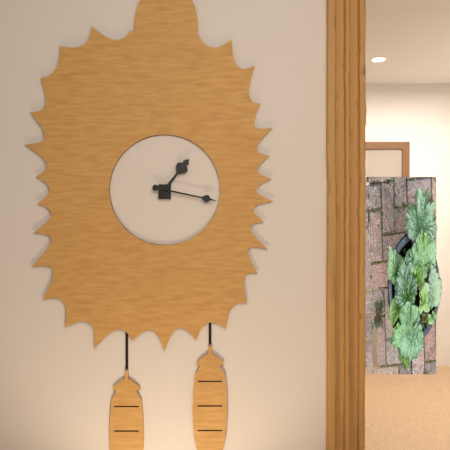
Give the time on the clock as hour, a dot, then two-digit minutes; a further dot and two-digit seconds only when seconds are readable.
1.17
